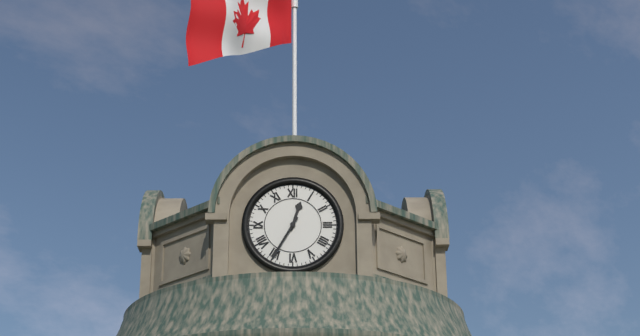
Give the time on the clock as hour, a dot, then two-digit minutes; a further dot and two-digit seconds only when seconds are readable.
12.35
